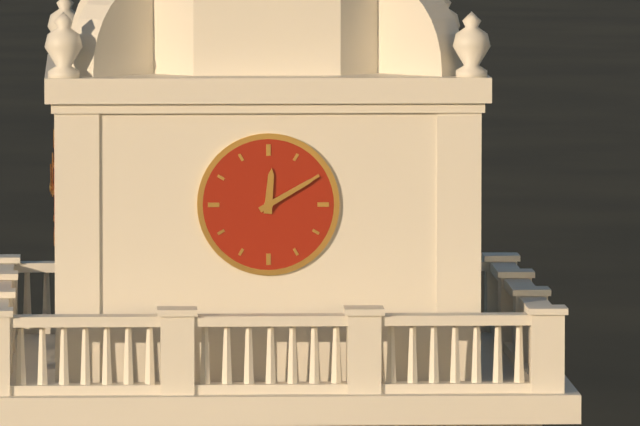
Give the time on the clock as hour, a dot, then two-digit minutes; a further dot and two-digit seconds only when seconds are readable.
12.10
